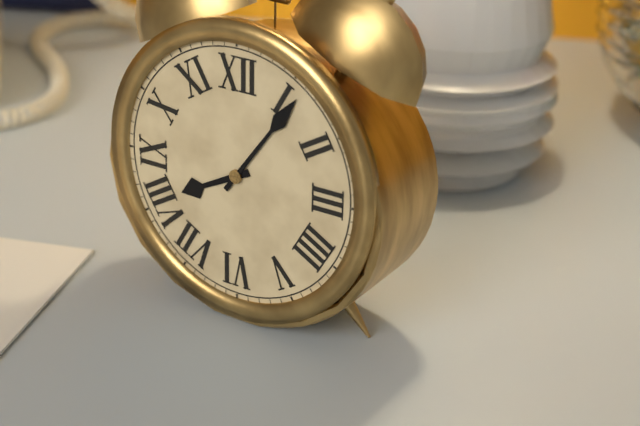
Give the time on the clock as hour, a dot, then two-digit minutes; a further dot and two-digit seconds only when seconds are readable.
8.06
